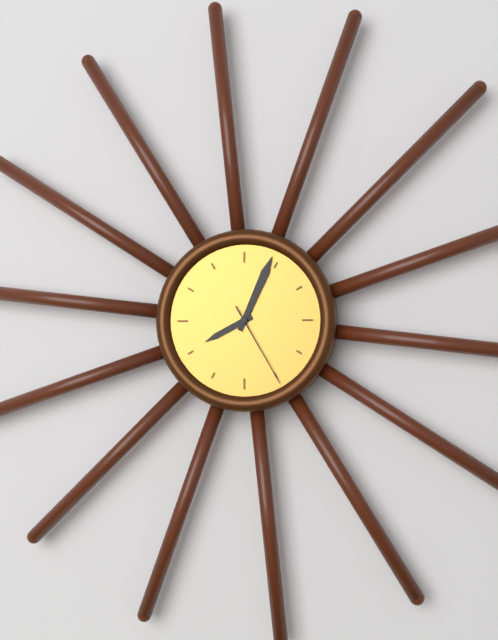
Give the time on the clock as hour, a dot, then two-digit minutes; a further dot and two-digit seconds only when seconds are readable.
8.04.25
